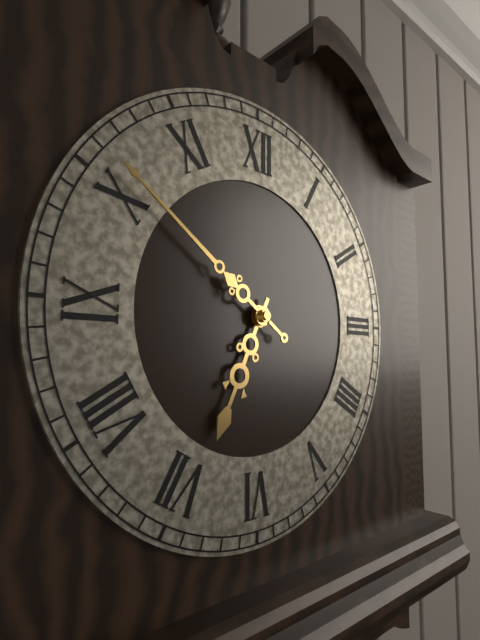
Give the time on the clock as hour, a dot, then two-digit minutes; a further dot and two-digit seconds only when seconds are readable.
6.51
